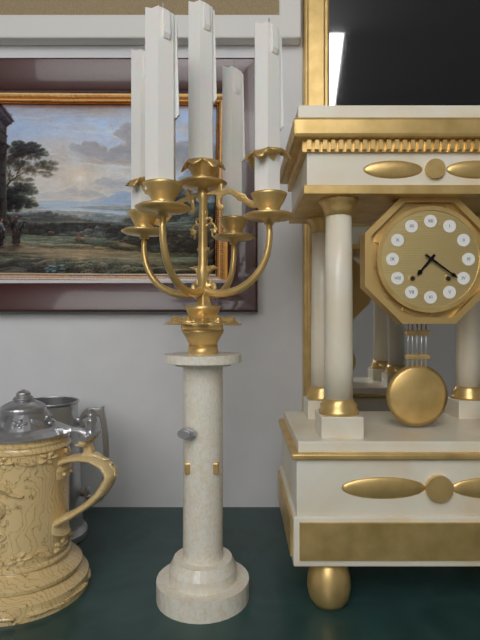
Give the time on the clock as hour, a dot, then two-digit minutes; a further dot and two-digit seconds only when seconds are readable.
7.21
